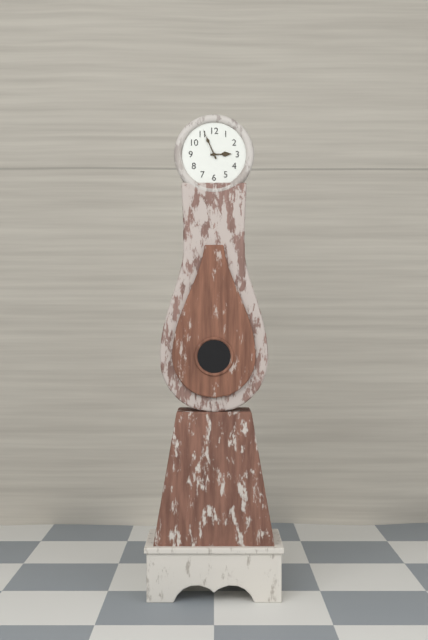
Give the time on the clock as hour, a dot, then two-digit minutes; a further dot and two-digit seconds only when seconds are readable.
2.56
